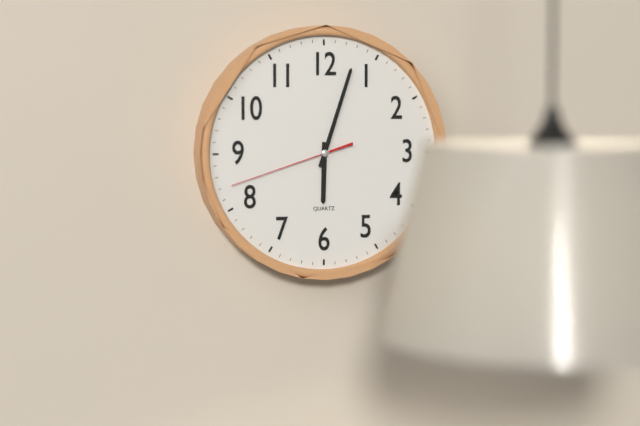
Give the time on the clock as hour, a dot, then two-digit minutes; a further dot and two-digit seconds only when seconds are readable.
6.03.42
